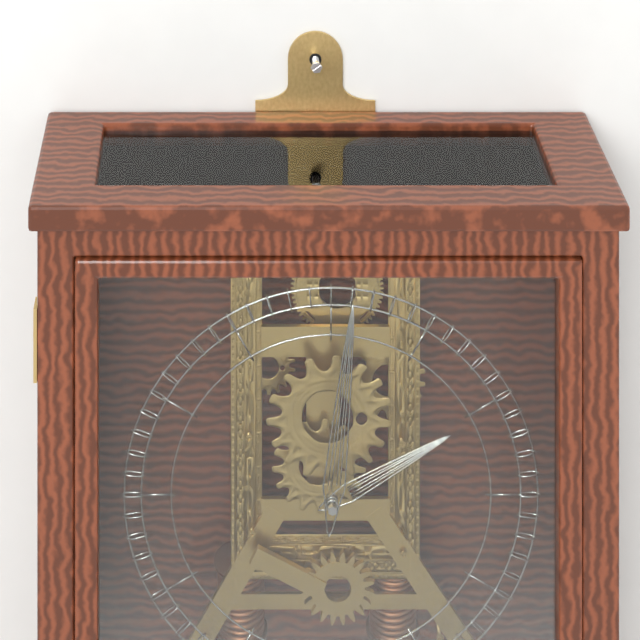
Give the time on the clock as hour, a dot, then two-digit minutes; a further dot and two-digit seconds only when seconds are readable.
2.01
